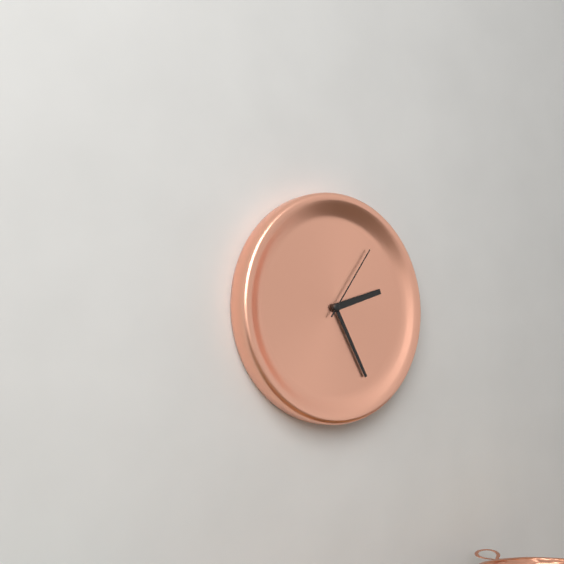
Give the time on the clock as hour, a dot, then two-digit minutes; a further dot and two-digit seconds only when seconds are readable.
2.25.06
